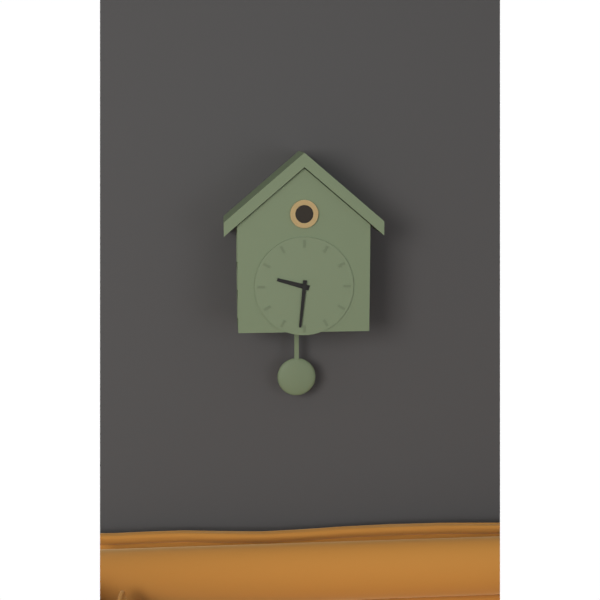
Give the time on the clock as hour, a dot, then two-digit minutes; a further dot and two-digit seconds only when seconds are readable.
9.31
